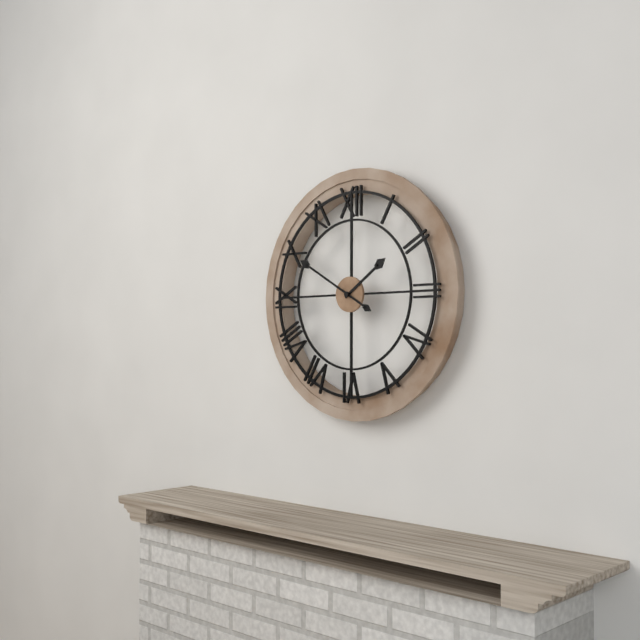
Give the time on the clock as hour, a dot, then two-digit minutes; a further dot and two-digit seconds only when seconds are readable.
1.50
